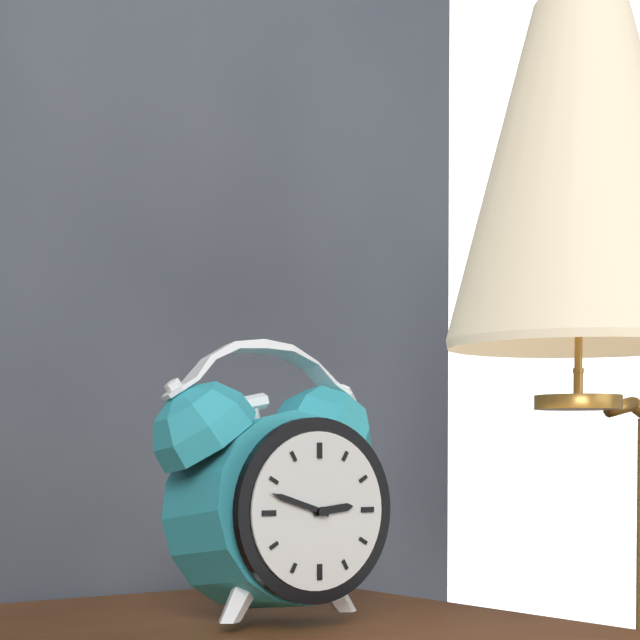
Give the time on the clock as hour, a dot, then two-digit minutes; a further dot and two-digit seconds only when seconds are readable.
2.48
